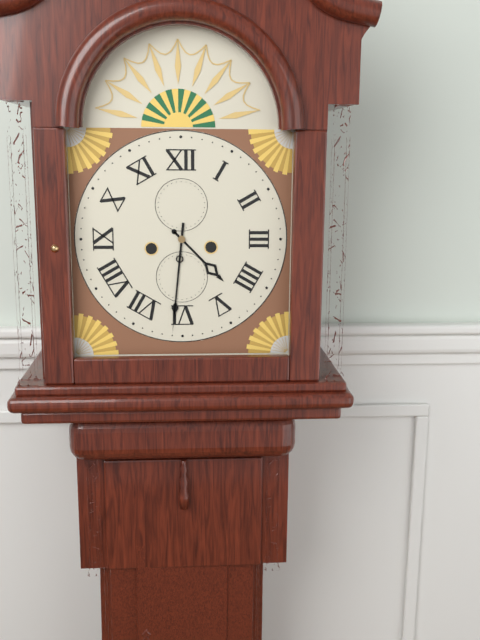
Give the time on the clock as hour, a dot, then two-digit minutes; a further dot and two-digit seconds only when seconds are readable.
4.31
